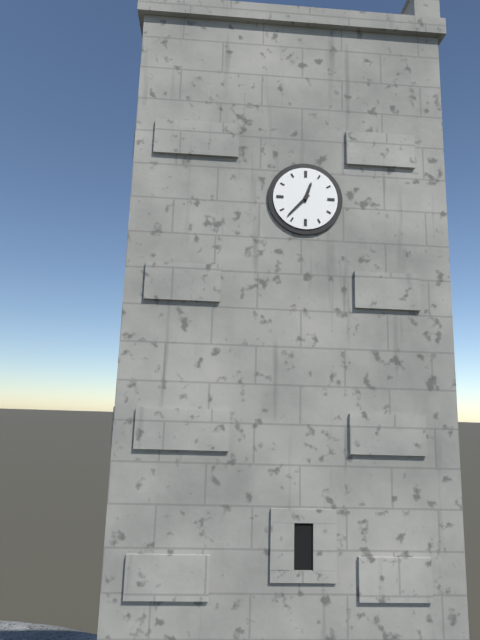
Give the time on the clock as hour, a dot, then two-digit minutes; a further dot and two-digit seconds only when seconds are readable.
12.37
